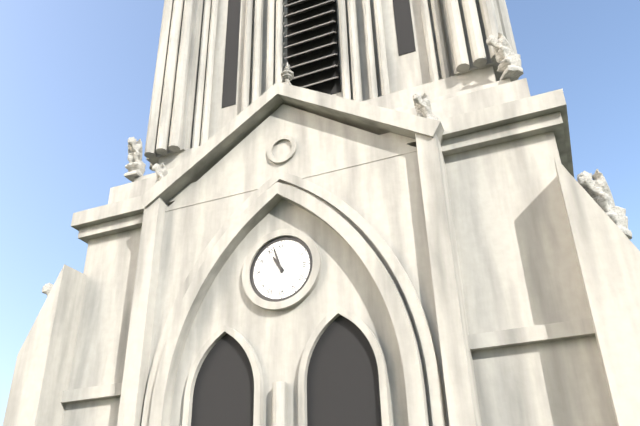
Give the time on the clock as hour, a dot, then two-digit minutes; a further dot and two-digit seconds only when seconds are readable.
10.57
